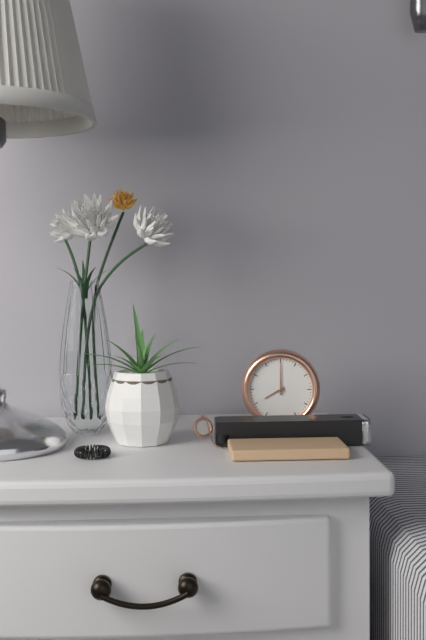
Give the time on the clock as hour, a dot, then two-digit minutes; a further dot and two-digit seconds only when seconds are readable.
8.00
